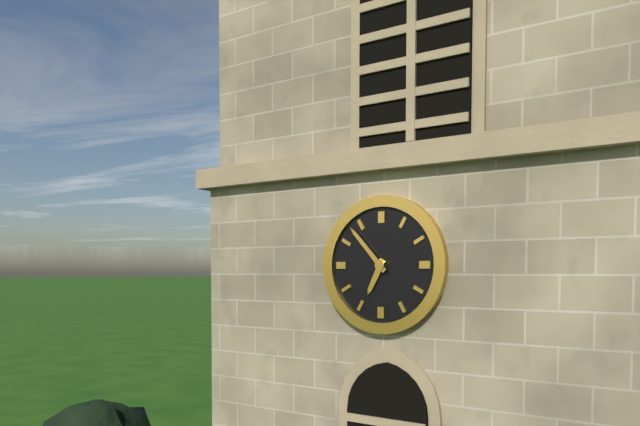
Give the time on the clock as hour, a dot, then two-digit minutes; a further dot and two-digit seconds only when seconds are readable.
6.53
